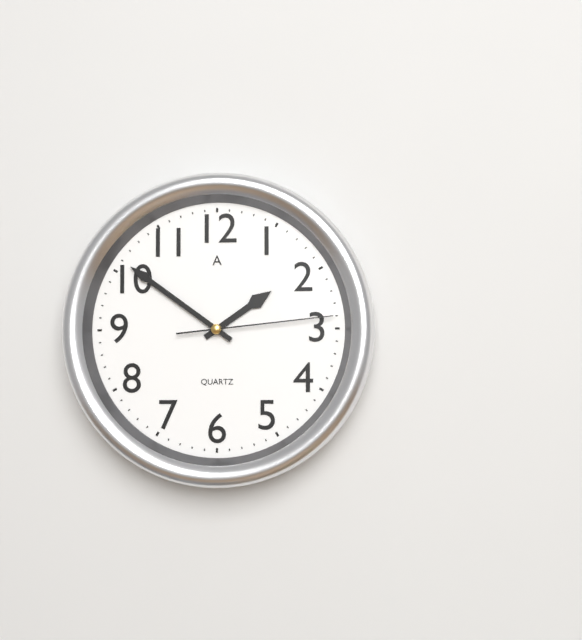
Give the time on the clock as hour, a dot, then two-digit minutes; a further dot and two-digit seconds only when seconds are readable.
1.51.14
